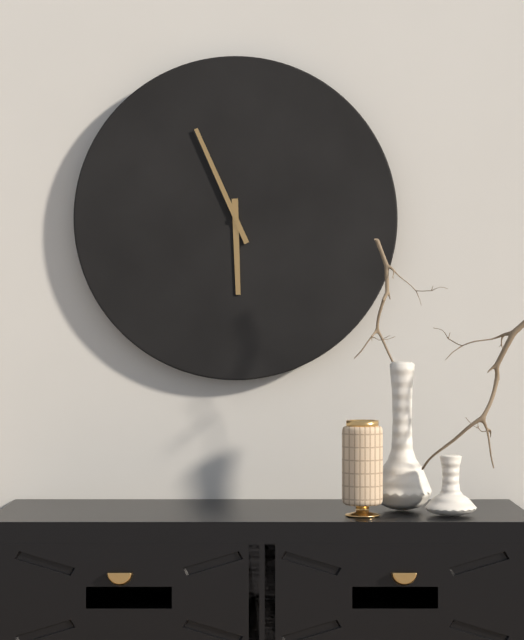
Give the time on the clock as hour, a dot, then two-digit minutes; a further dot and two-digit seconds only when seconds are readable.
5.56
